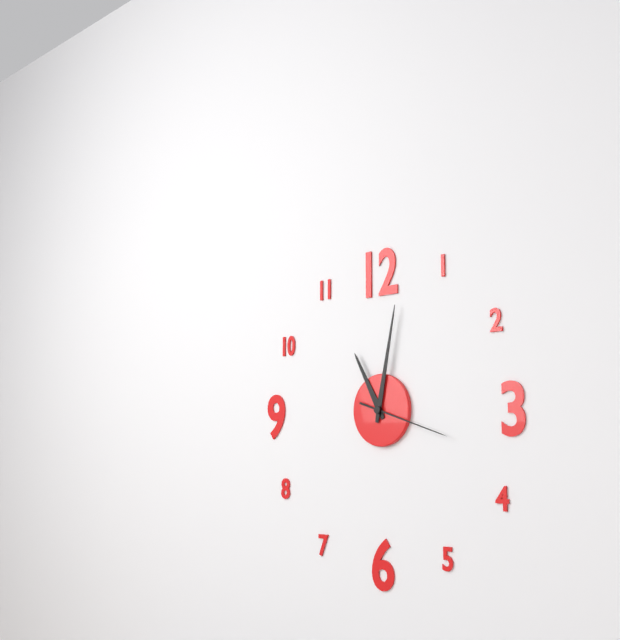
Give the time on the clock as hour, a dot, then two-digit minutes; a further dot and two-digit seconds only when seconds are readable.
11.02.18
